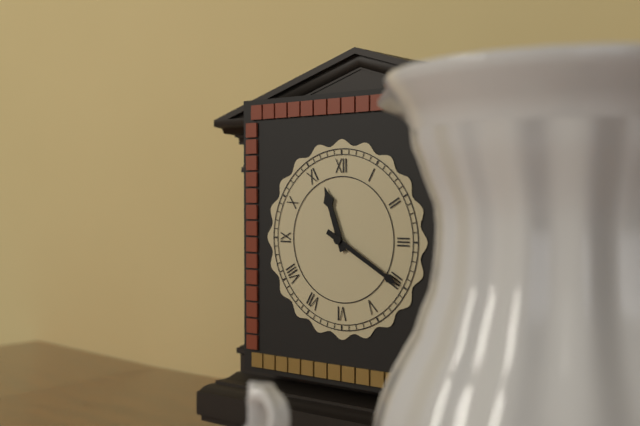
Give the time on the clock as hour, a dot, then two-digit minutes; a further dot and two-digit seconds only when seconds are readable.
11.20
